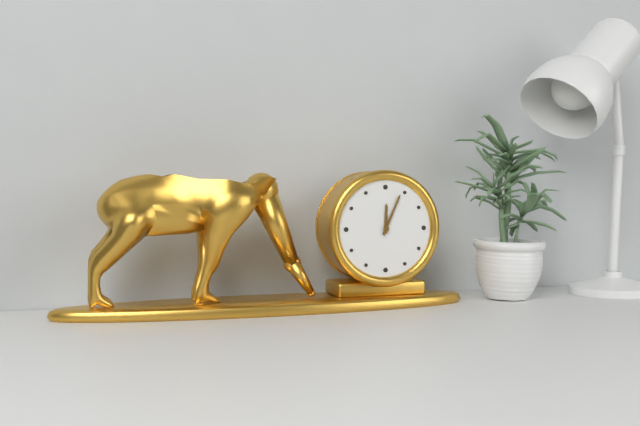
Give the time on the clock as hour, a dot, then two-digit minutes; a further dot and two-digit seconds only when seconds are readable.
12.04
